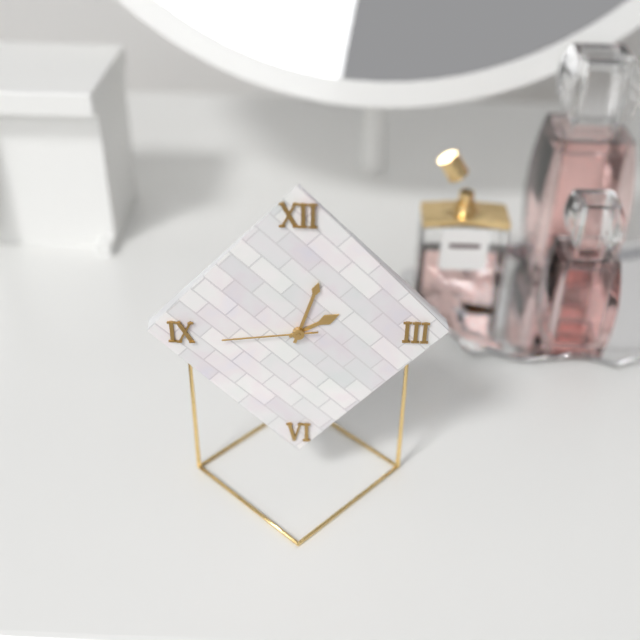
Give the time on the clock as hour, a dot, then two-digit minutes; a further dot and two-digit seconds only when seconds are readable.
2.03.44
